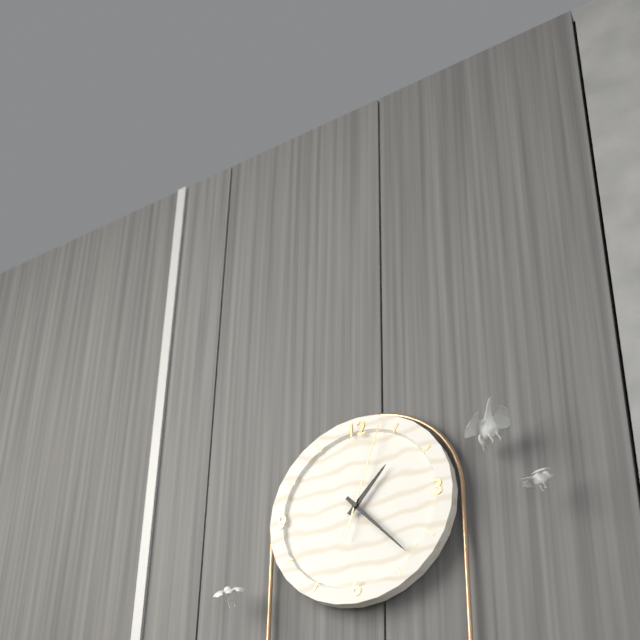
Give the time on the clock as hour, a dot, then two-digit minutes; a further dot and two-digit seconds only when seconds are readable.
1.23.03
